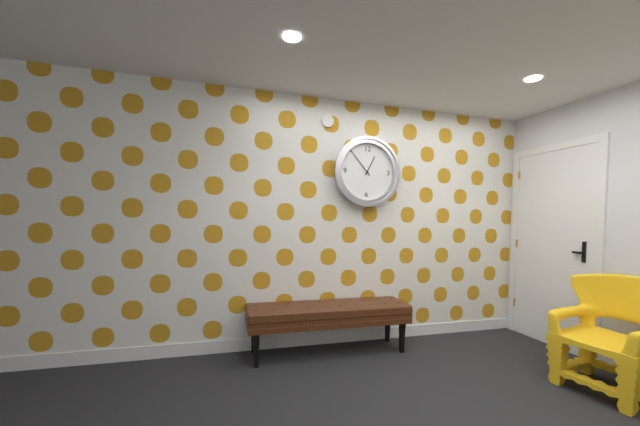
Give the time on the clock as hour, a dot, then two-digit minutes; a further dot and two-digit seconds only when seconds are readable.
12.53
